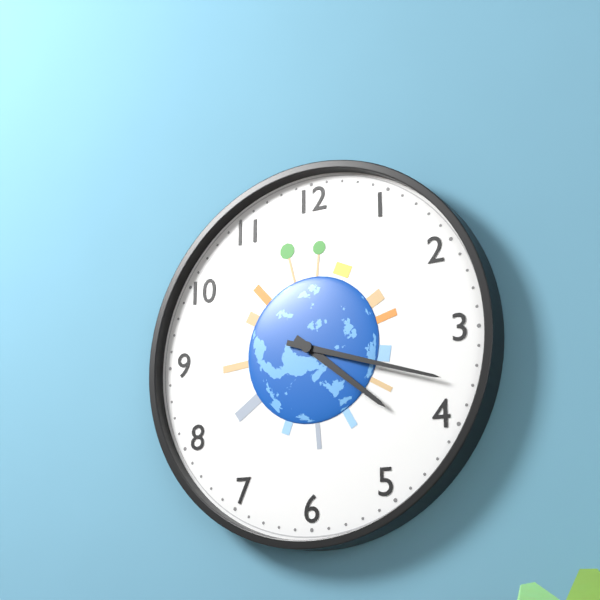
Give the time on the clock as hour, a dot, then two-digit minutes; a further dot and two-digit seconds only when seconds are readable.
4.18
